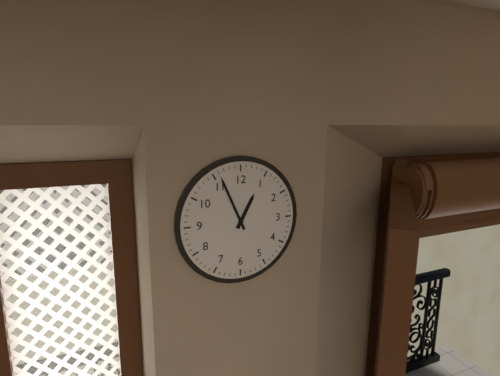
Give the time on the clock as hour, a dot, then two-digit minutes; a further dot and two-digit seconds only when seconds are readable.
12.56
